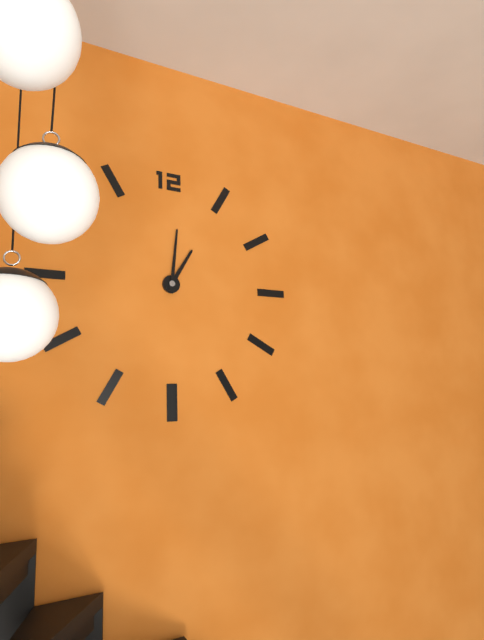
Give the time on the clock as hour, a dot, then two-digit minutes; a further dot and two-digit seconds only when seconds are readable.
1.01
